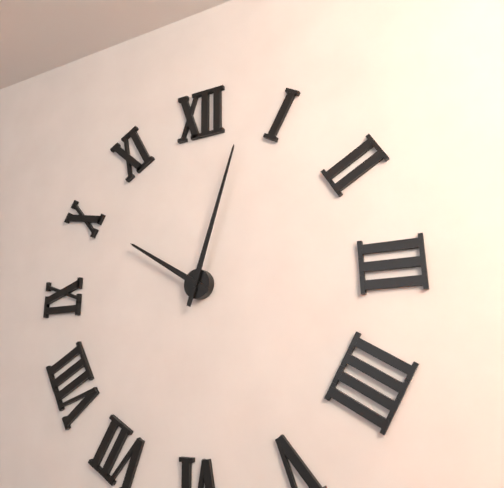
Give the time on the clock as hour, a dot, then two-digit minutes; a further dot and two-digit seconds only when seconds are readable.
10.03
